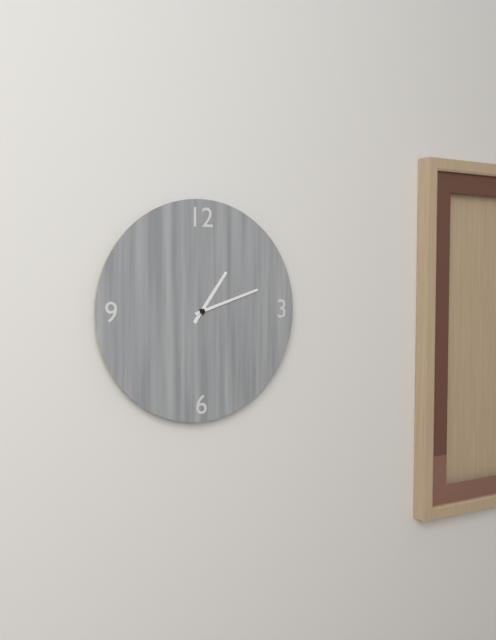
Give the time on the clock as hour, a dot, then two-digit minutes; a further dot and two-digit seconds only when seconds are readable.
1.12
